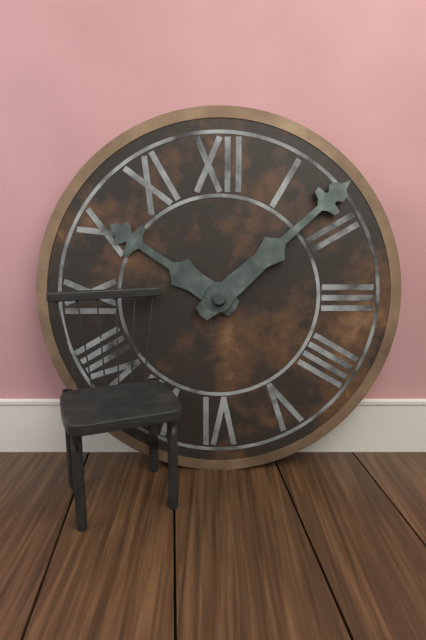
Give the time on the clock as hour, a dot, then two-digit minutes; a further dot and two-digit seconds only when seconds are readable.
10.08
